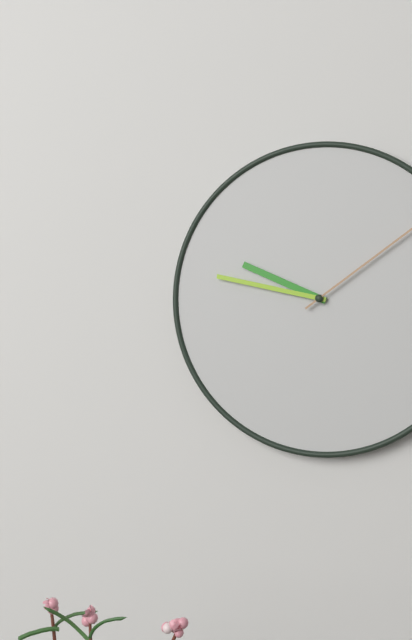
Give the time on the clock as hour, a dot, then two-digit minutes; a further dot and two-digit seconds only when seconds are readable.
9.47
